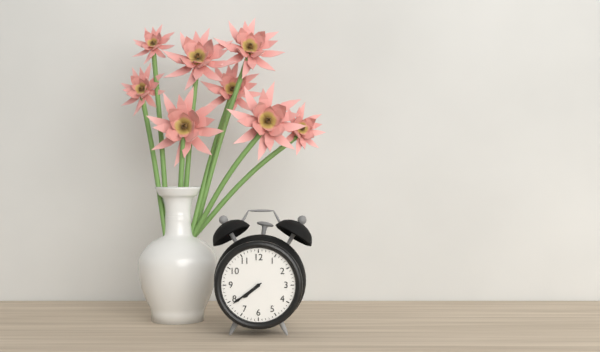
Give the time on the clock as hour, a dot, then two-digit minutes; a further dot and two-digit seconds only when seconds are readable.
7.39
